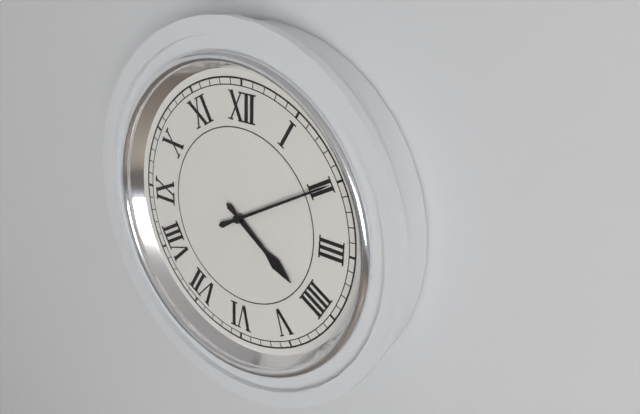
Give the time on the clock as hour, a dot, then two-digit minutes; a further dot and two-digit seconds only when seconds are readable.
4.10
